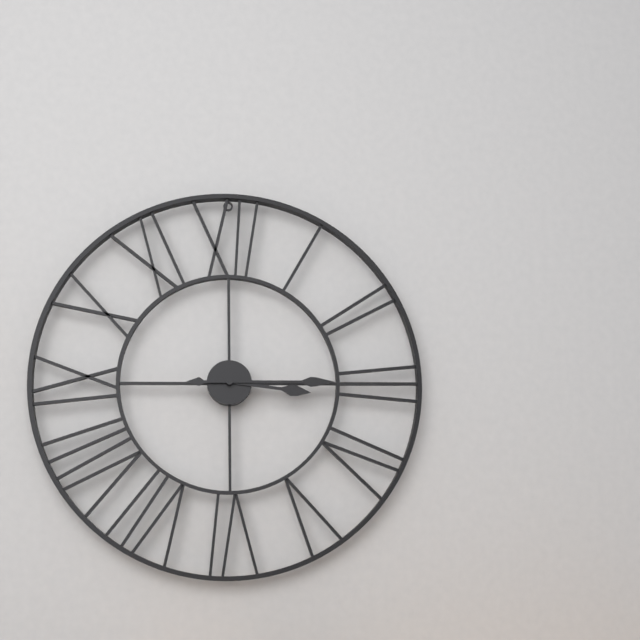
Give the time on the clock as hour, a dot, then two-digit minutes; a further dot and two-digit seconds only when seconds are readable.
3.15
